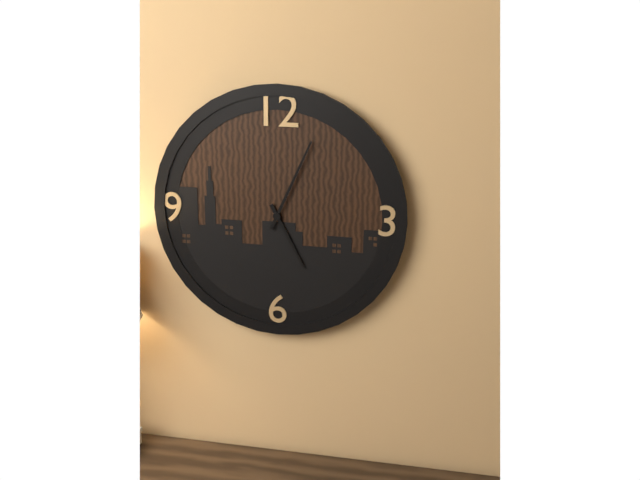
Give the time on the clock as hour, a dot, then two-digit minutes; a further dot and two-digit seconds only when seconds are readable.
5.04
